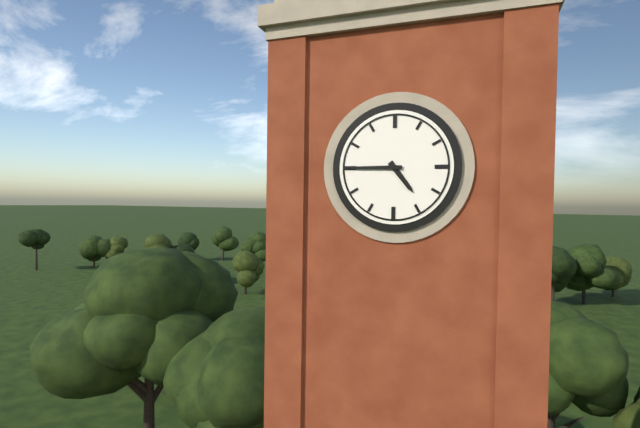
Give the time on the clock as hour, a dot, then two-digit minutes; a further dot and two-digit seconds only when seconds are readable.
4.45
